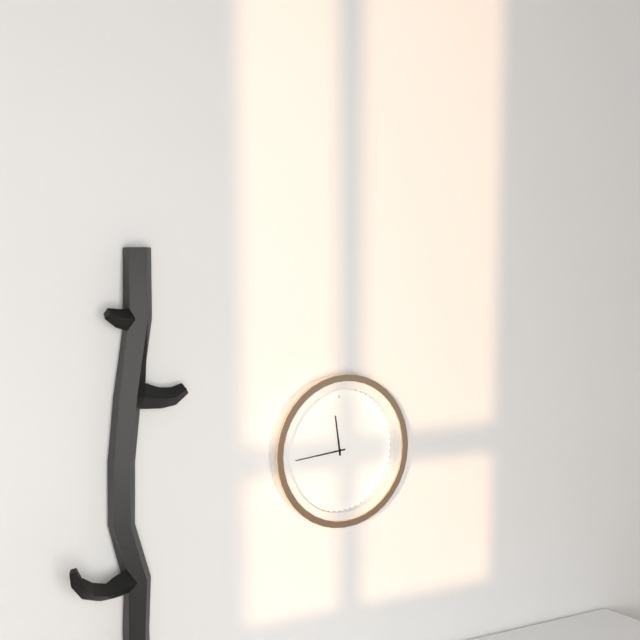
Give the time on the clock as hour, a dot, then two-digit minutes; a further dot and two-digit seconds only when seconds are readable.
11.44
